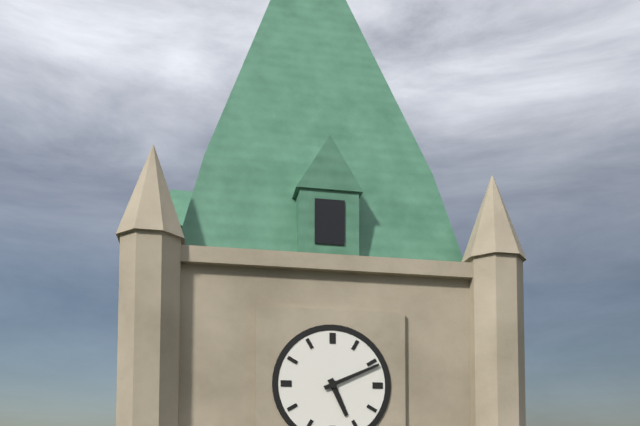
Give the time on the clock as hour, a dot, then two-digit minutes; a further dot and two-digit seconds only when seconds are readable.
5.11
